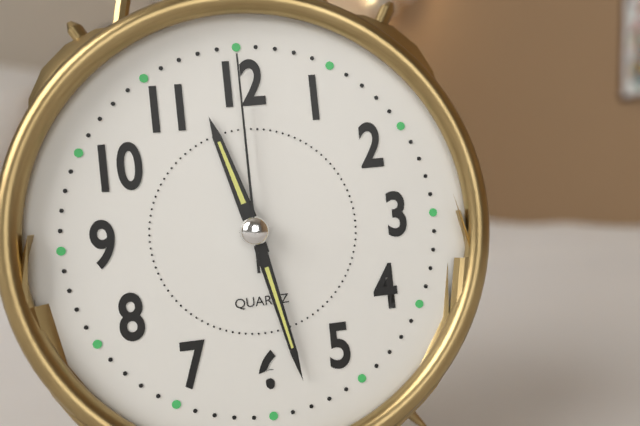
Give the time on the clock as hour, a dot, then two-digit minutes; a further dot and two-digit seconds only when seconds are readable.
11.28.00
